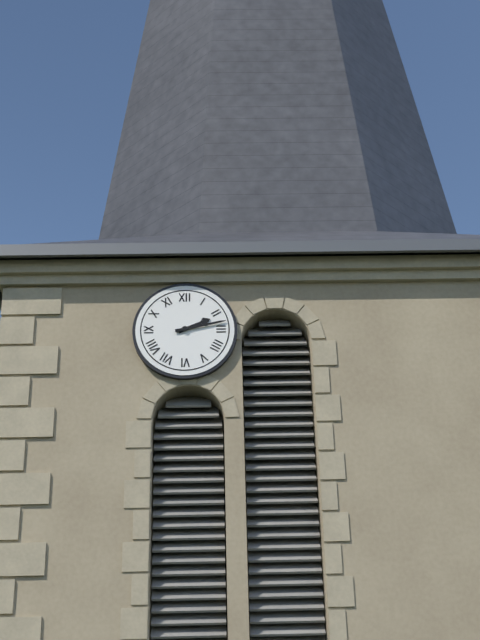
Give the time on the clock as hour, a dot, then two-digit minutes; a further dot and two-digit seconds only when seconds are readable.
2.13
